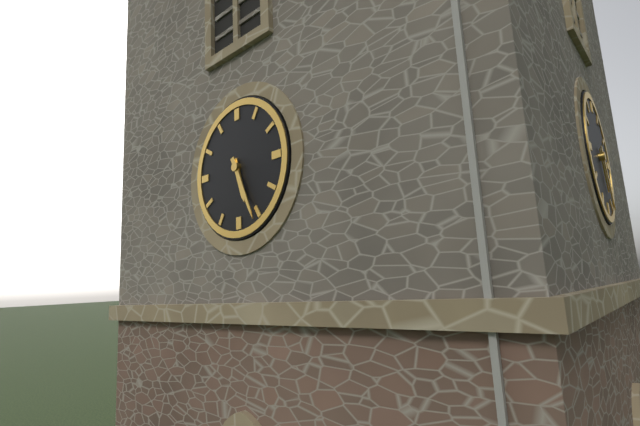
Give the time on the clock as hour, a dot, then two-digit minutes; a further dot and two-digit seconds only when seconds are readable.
5.26
